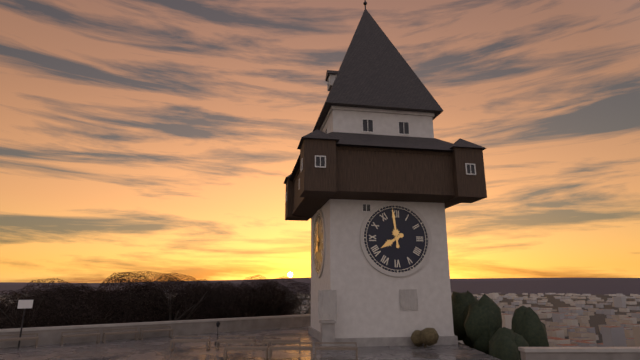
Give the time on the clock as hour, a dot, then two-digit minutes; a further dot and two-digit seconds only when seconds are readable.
7.59
